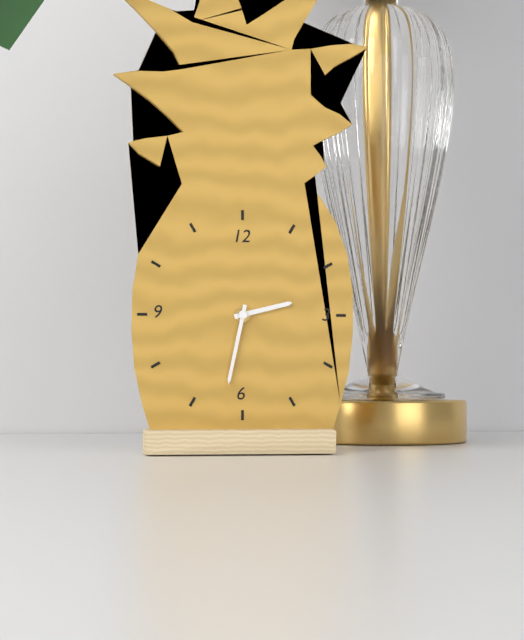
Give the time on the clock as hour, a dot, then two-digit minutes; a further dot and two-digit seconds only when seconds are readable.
2.32
